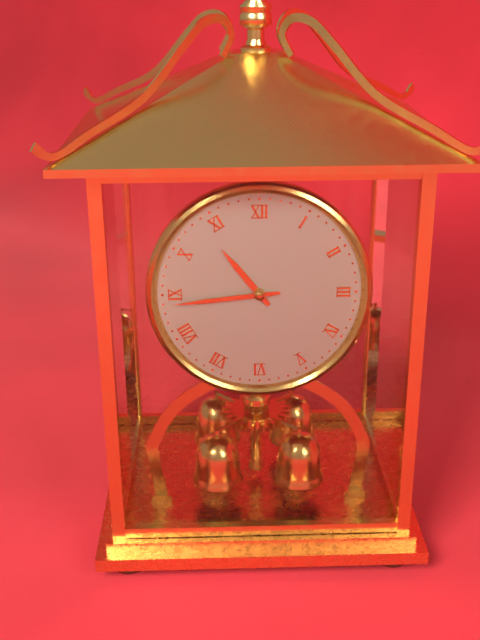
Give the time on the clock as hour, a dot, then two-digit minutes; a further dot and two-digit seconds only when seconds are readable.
10.44
